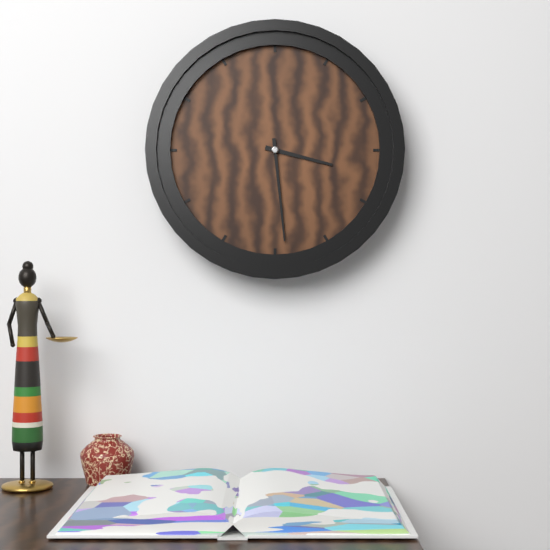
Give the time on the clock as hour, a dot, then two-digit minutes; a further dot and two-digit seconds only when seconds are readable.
3.29
